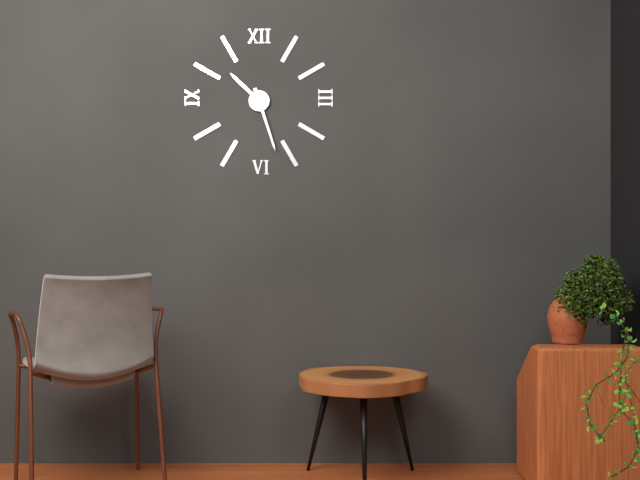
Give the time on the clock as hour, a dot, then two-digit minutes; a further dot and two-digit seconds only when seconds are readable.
10.27
